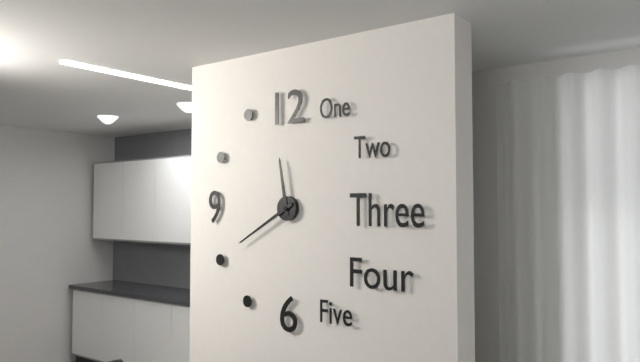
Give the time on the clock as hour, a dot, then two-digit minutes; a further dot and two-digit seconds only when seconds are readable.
11.40
